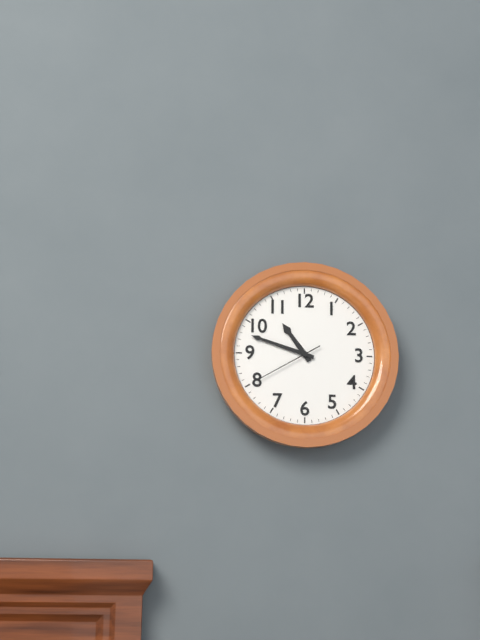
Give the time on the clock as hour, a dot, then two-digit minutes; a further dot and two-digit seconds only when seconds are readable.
10.48.40
